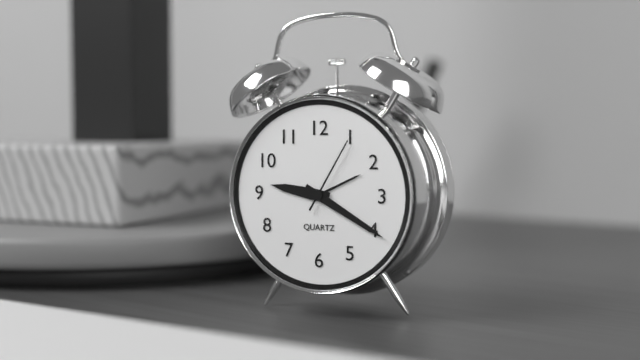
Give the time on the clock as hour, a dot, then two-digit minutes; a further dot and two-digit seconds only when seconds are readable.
9.20.05
